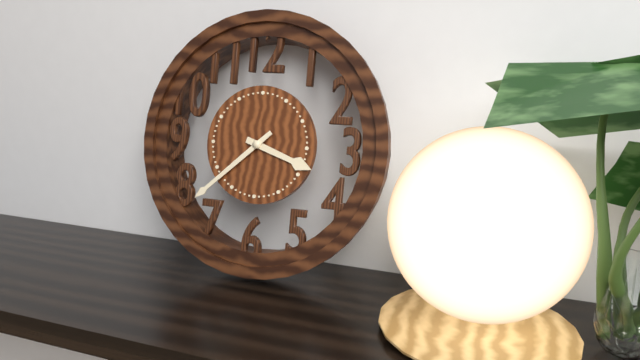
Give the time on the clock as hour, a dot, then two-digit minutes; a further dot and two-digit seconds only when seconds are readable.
3.38
